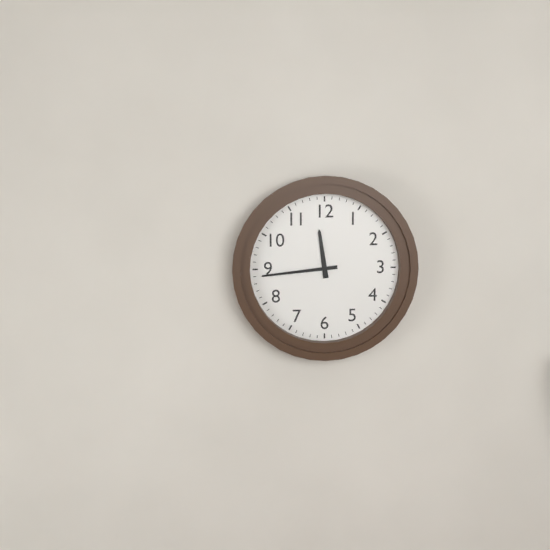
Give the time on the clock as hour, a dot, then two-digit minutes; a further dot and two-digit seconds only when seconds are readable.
11.44
